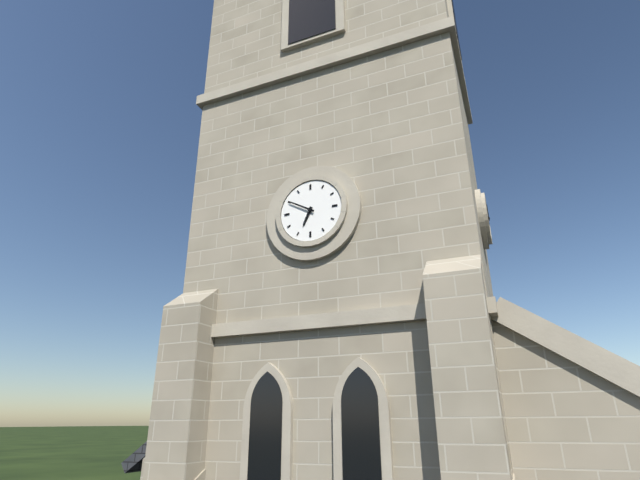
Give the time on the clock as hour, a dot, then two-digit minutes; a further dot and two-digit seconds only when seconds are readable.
6.50
